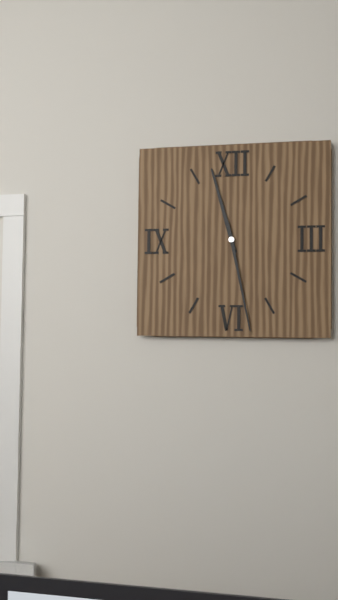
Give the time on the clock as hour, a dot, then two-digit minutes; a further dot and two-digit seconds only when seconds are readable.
11.28
